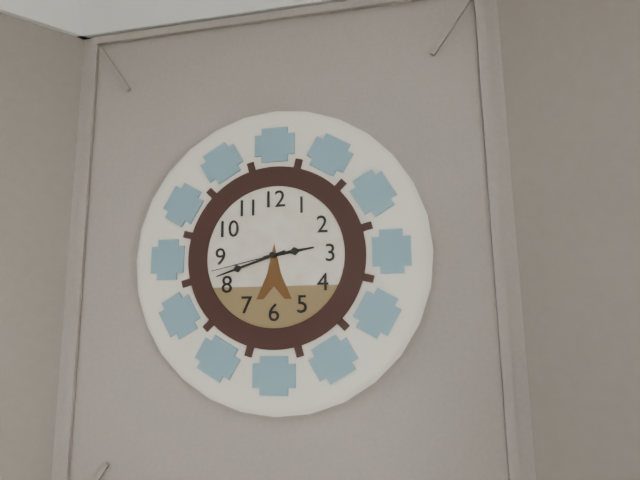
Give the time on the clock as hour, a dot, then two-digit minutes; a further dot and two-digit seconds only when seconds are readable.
2.42.43
